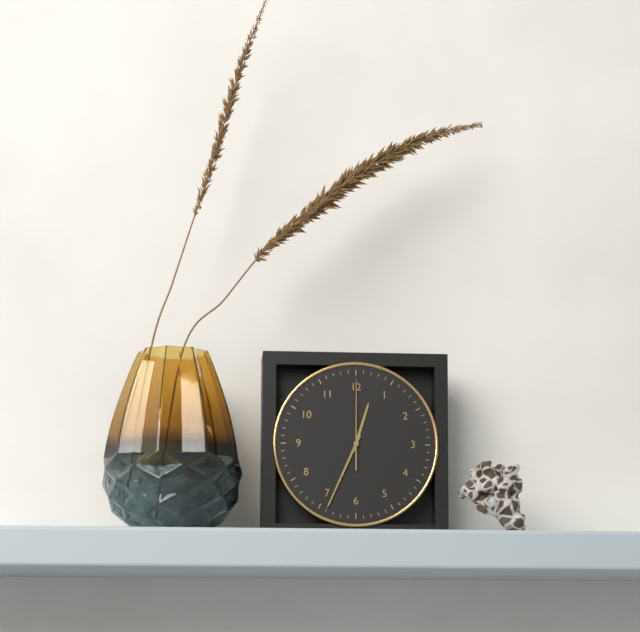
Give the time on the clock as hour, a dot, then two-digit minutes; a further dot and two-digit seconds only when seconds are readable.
12.34.00
